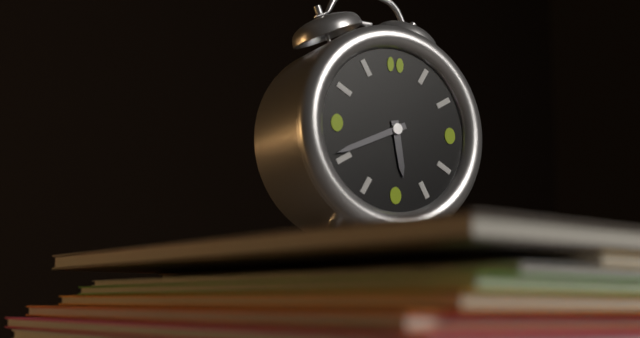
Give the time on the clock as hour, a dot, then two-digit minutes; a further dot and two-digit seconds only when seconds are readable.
5.41
